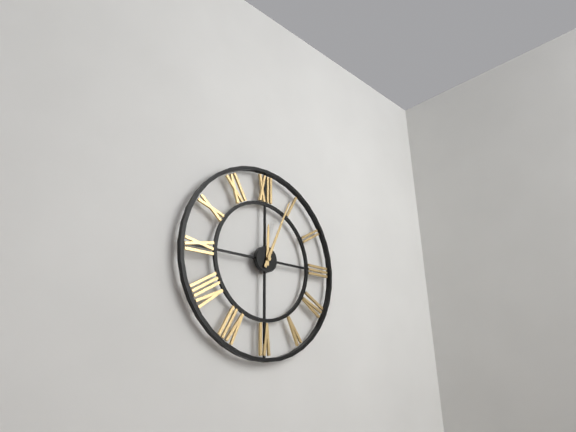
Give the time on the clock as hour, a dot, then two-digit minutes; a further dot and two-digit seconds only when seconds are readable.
12.04
